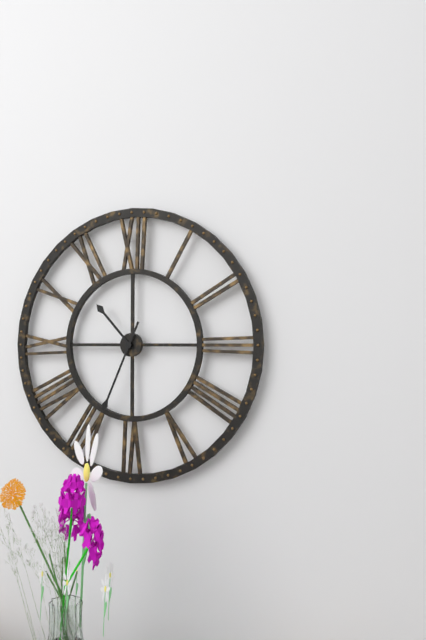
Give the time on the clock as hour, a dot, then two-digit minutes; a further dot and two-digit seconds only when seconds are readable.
10.34
